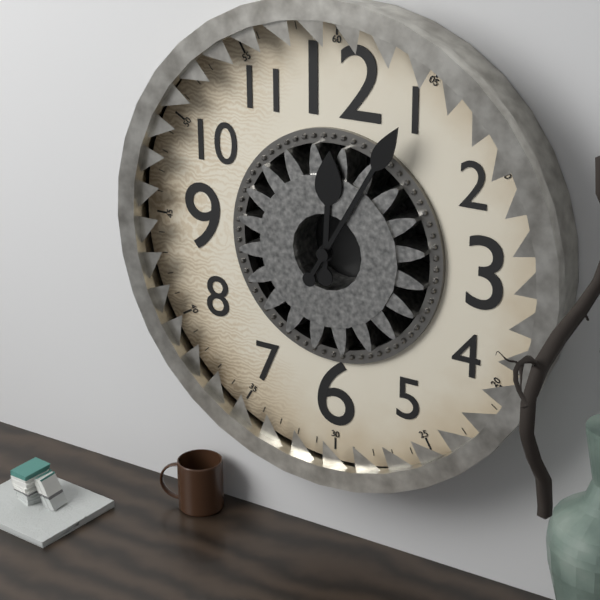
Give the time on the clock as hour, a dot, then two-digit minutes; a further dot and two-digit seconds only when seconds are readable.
12.05
